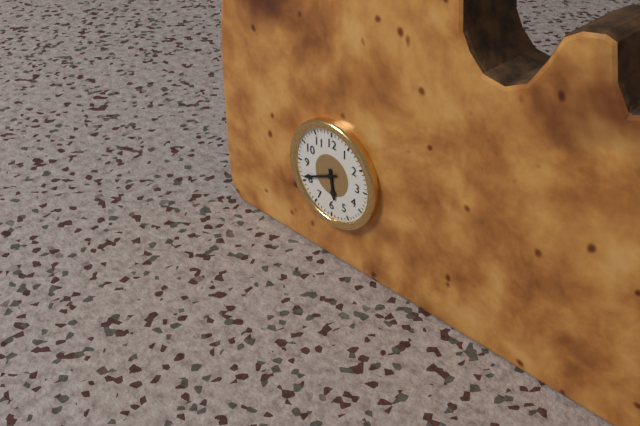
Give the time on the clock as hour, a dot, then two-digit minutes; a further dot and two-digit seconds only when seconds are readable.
5.41
